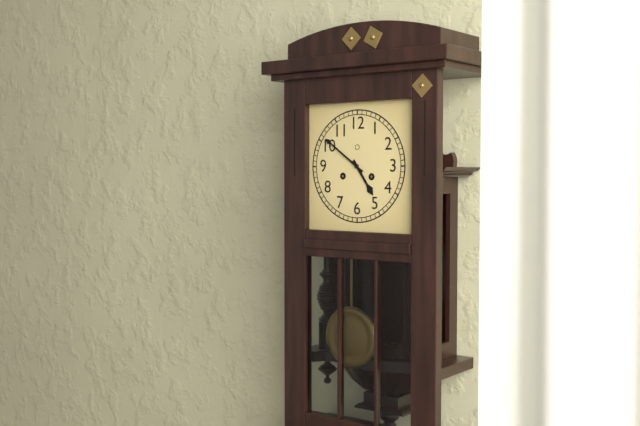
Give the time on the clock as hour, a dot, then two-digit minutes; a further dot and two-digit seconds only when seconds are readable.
4.51
